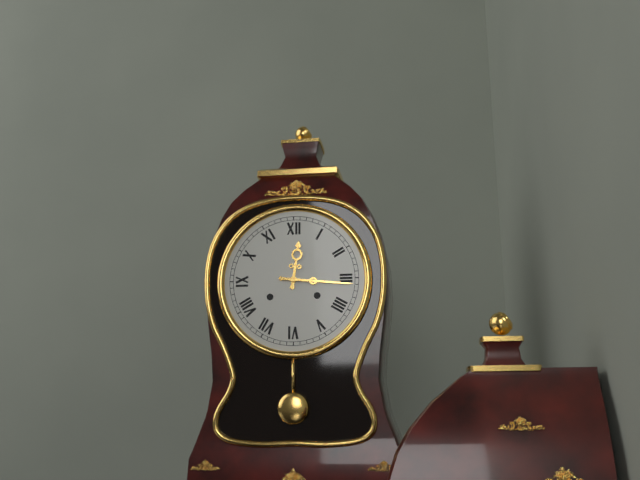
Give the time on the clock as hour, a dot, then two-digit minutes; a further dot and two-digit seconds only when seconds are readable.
12.16
